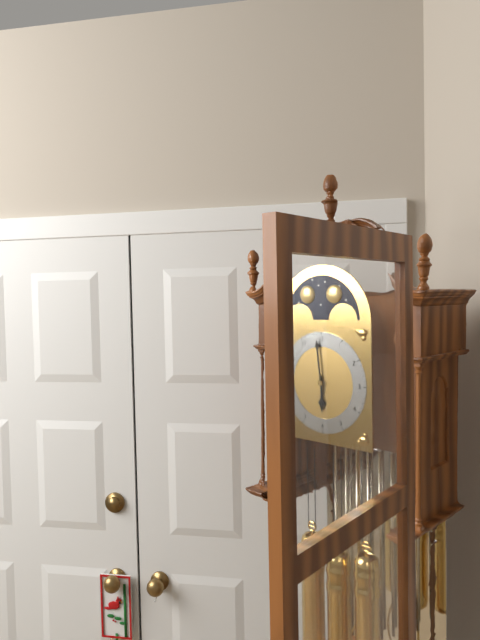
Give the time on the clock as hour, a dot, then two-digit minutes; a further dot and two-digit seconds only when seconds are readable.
5.59
